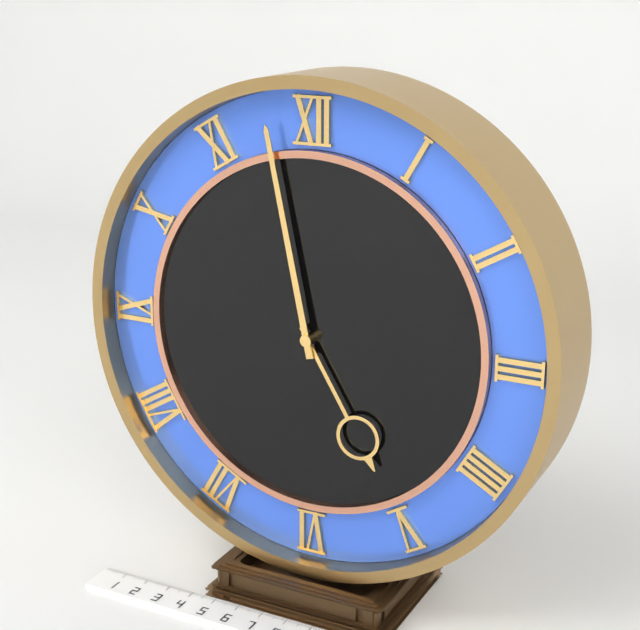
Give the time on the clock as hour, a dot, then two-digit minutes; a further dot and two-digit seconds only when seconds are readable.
4.58
